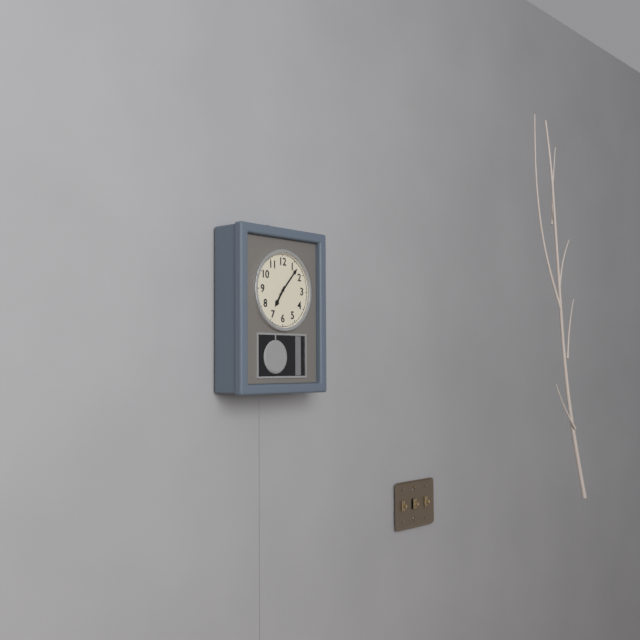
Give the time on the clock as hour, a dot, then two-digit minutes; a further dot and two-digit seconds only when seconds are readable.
7.07
